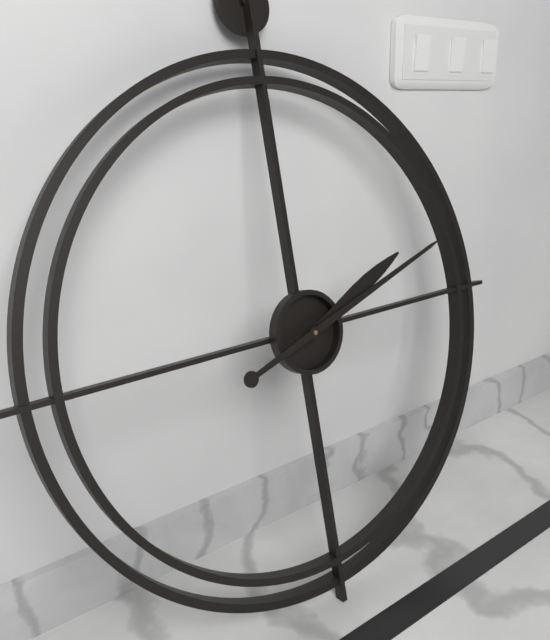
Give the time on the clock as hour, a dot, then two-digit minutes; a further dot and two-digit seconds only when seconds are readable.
2.12
